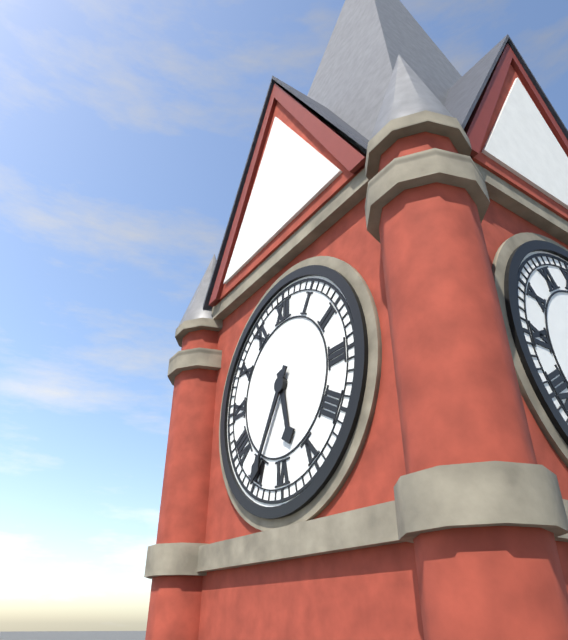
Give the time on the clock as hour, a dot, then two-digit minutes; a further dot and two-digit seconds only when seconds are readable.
5.35
